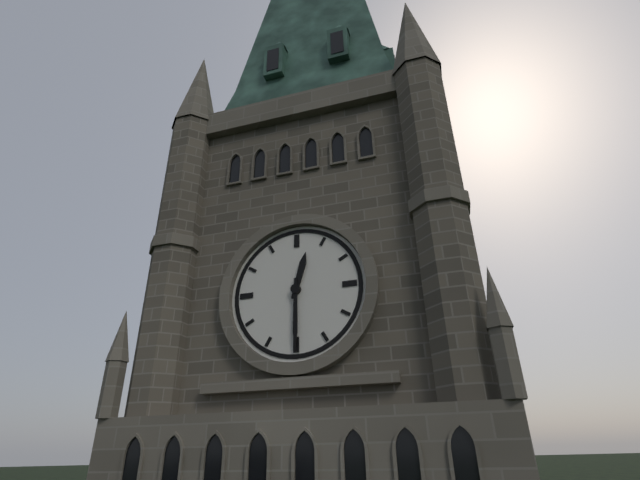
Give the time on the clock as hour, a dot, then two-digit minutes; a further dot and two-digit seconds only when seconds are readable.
12.30
